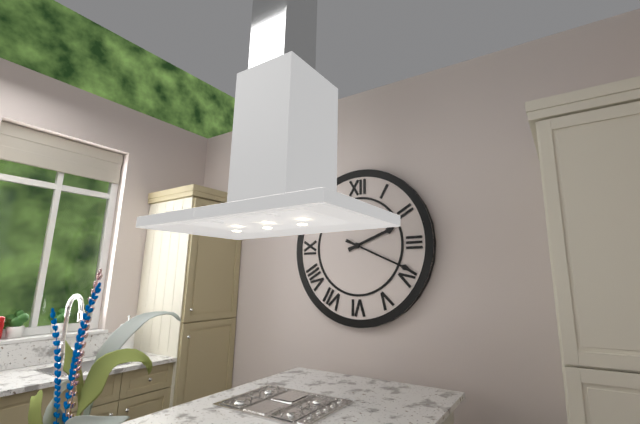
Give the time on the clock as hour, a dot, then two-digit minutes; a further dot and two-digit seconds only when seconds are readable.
2.19
